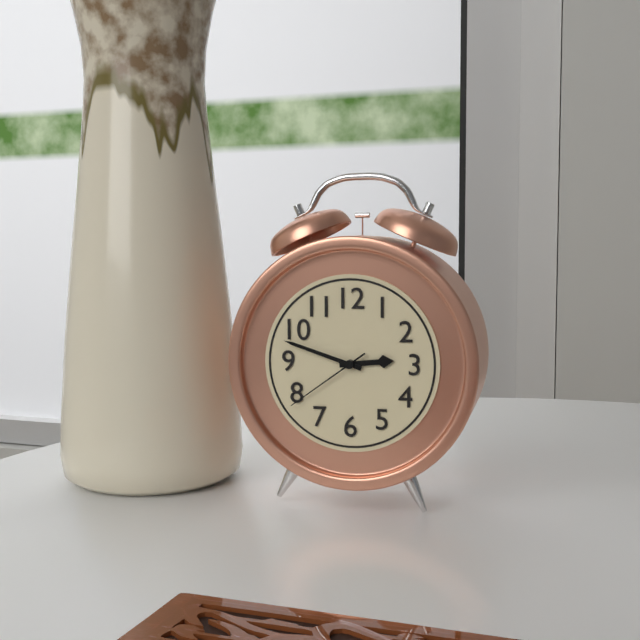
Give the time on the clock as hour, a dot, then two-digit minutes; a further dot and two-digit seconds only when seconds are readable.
2.48.39
